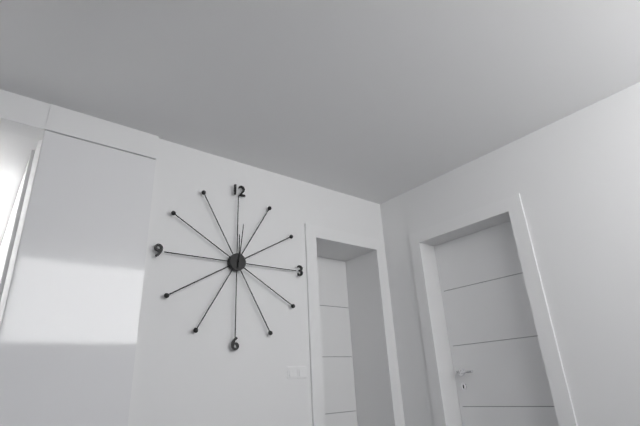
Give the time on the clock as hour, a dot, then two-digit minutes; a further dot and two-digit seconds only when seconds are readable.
12.01
